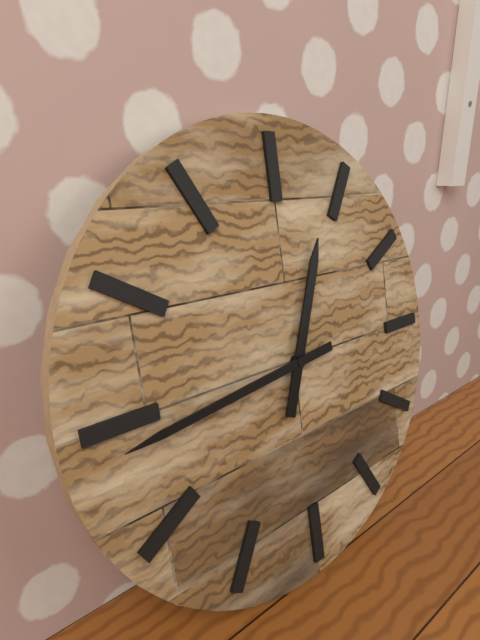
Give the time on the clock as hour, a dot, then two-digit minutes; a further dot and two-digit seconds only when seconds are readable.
12.44
